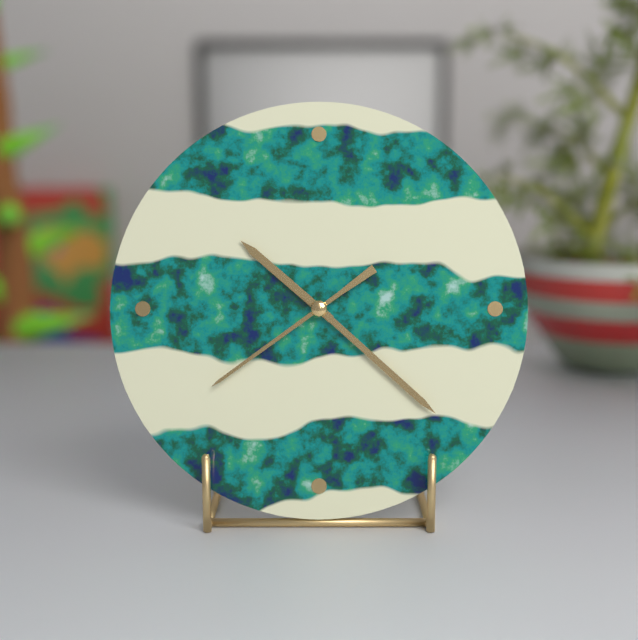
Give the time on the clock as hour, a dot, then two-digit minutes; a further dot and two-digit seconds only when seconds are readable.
10.22.39
